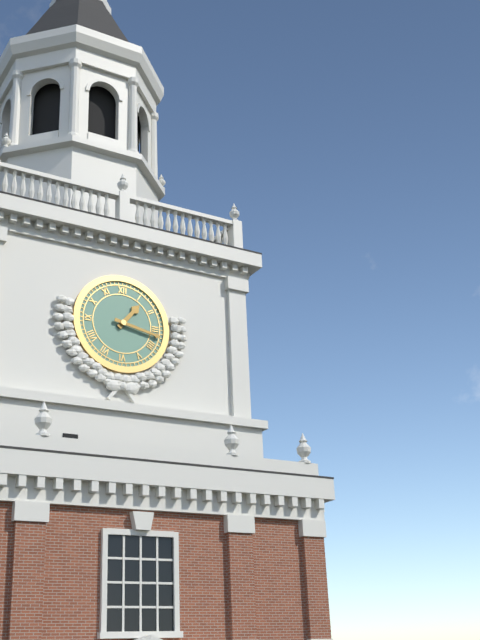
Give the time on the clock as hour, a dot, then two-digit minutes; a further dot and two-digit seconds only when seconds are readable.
1.17
